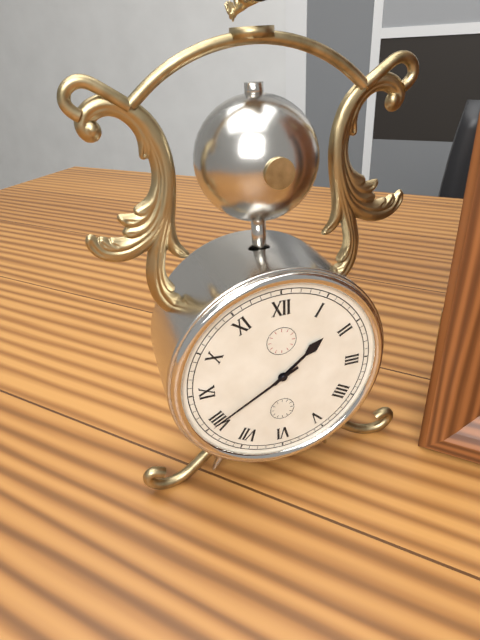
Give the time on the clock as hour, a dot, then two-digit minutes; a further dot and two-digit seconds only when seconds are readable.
1.40
